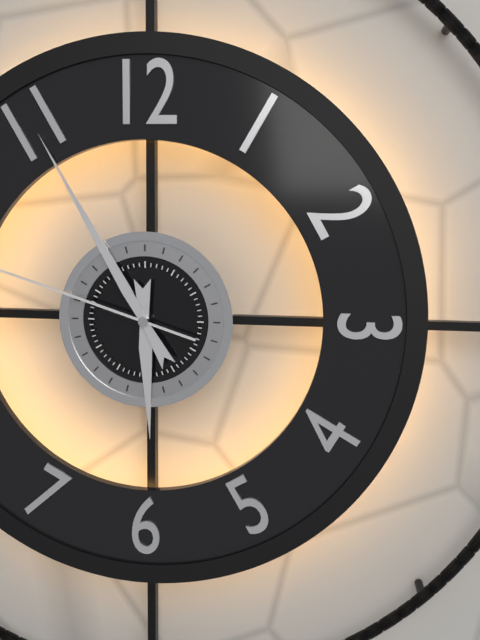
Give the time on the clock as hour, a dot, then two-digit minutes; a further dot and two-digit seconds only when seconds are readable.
5.55
